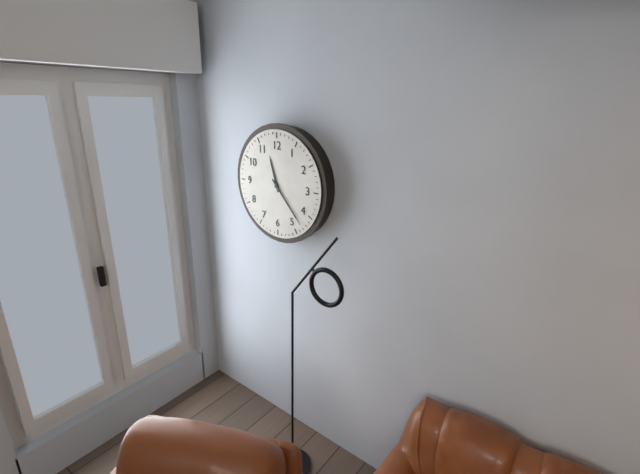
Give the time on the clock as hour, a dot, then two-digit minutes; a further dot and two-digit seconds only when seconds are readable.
11.23
